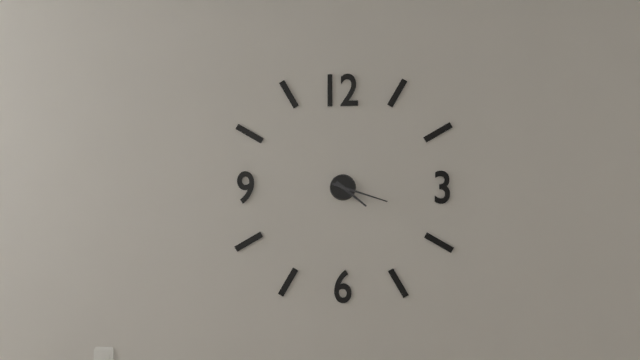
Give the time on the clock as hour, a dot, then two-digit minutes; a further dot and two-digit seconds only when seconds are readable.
4.18
